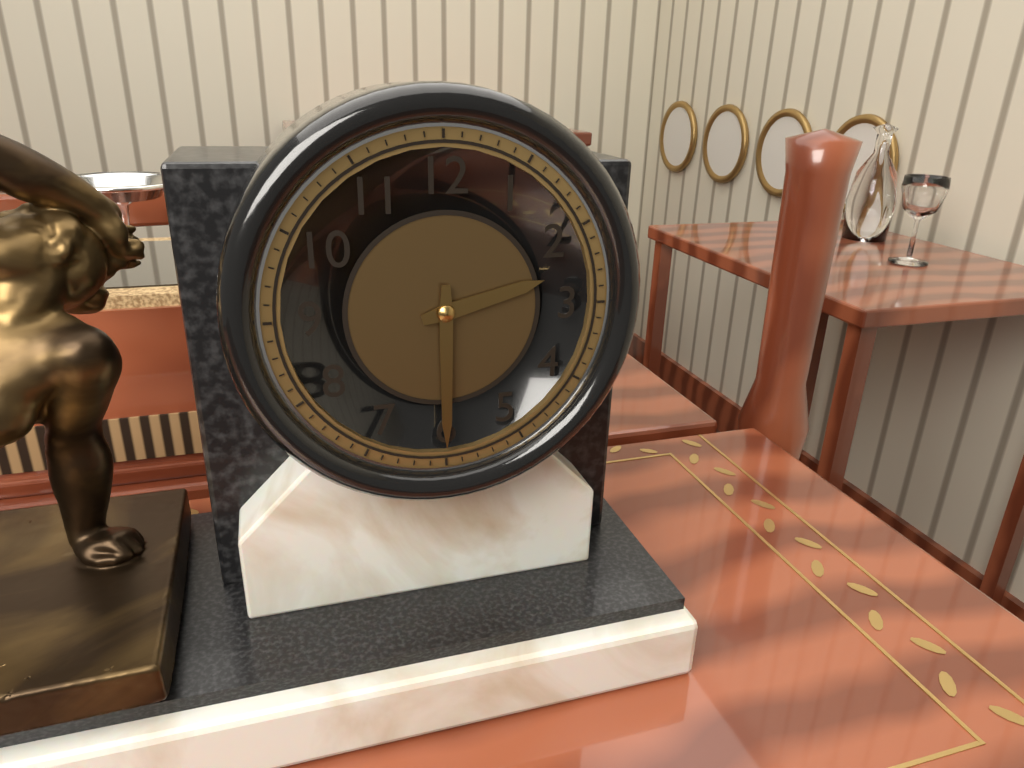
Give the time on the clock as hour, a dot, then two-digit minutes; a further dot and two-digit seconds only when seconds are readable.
2.30
